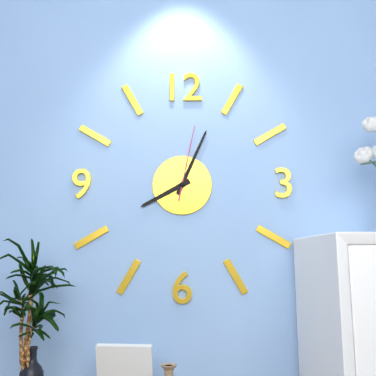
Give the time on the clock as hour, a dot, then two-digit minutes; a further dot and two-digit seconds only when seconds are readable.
8.04.02
